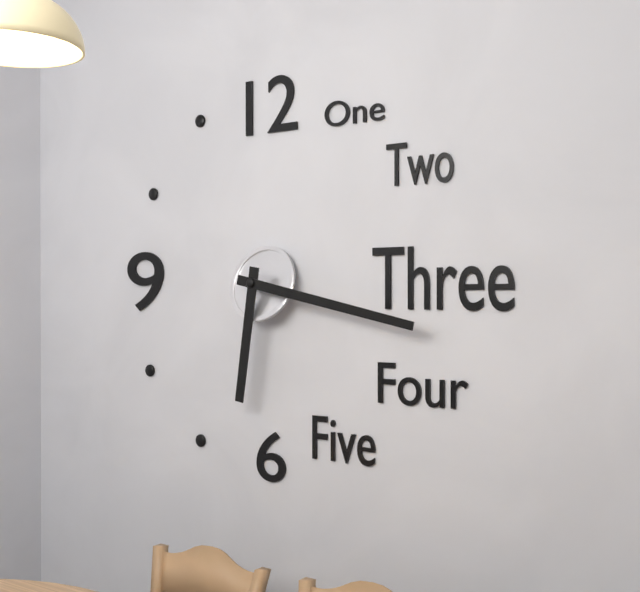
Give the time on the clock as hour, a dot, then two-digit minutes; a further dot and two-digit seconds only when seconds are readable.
6.17
